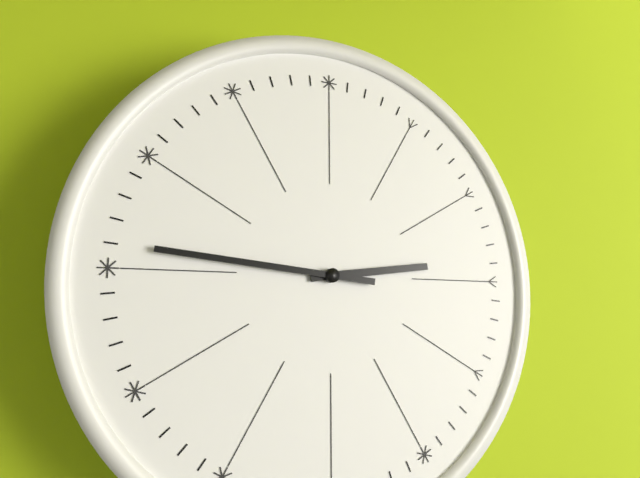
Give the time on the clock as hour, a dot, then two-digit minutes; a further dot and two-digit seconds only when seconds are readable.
2.46
